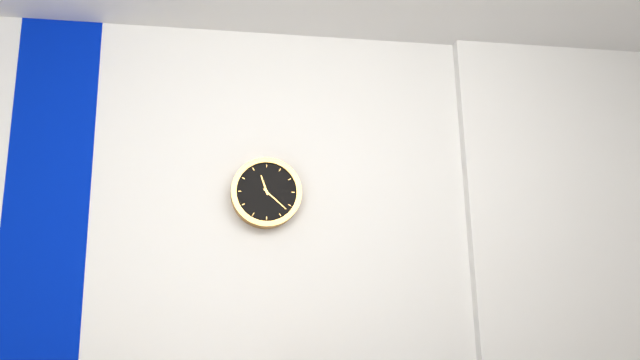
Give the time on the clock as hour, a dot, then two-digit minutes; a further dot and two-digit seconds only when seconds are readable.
11.22
